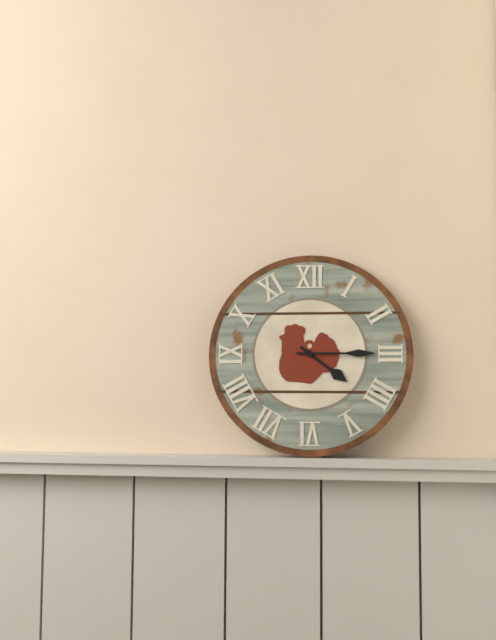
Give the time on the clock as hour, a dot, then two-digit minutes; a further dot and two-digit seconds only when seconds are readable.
4.15
